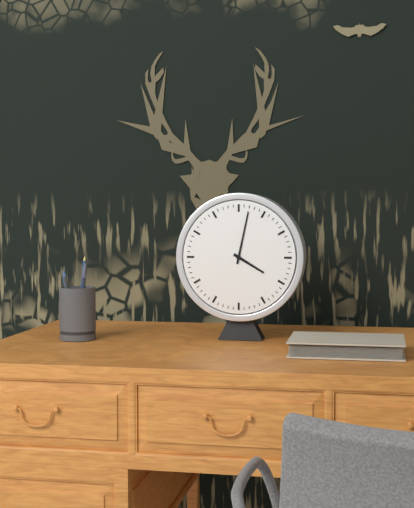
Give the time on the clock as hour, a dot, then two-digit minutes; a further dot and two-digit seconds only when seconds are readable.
4.02
